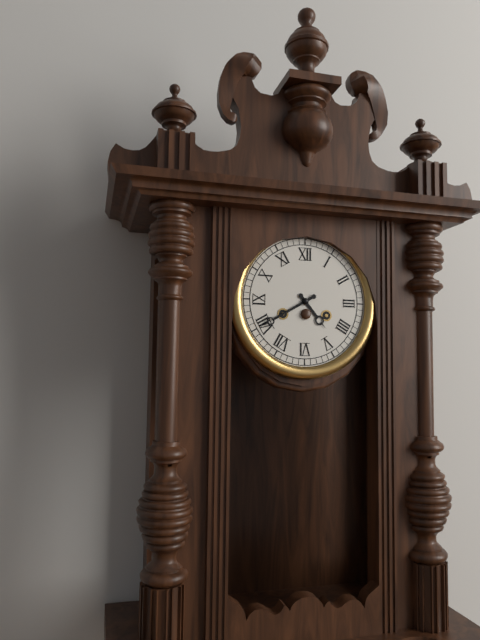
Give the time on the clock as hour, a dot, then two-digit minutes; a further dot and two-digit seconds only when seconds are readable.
4.40
